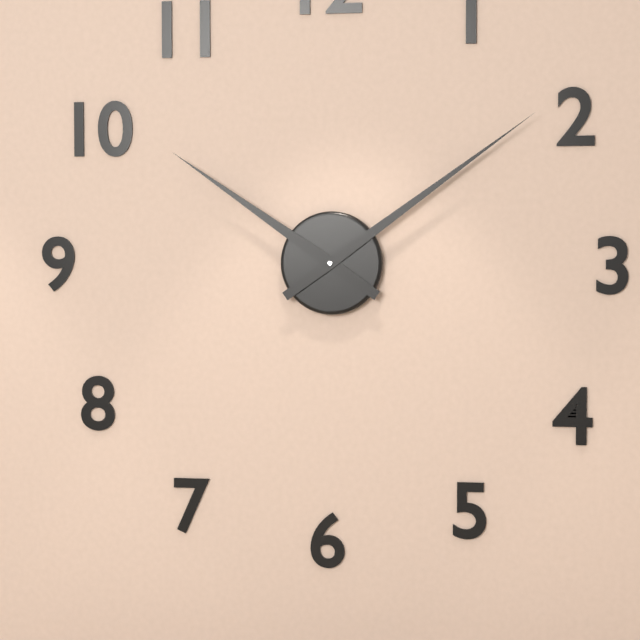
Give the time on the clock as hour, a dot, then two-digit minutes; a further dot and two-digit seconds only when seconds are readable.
10.09
